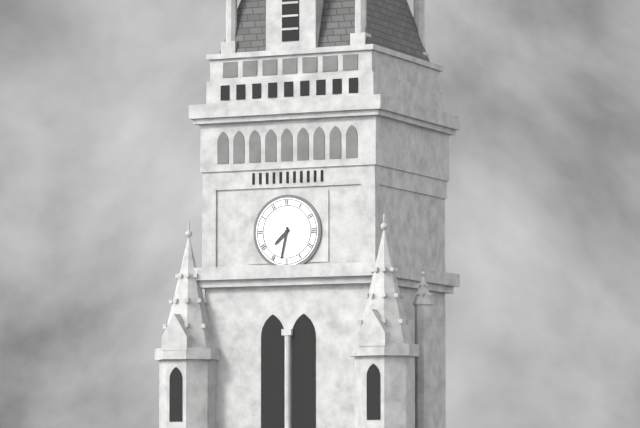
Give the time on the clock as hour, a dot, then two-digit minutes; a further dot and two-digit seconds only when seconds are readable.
7.32
